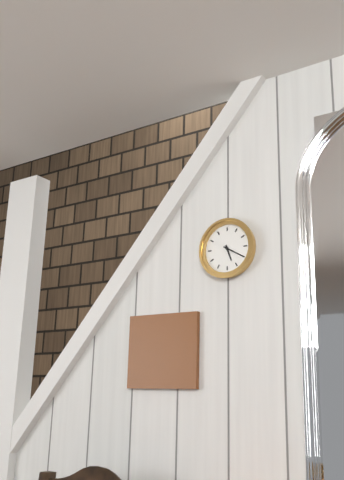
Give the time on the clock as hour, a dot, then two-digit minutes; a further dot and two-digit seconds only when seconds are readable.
5.20
